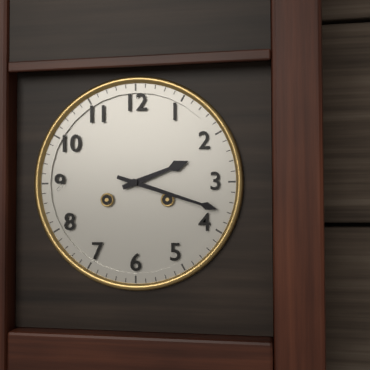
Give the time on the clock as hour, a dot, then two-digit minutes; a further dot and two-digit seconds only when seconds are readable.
2.18
